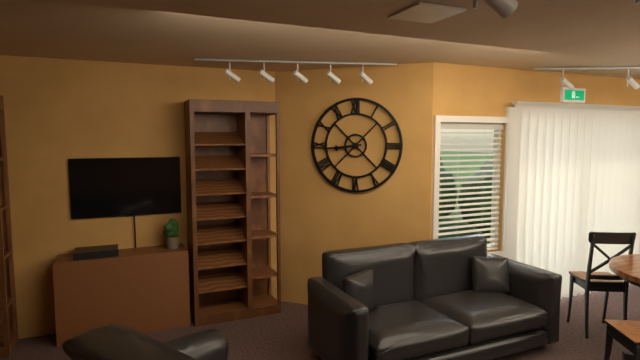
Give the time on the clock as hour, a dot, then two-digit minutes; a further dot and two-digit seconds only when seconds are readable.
8.44
